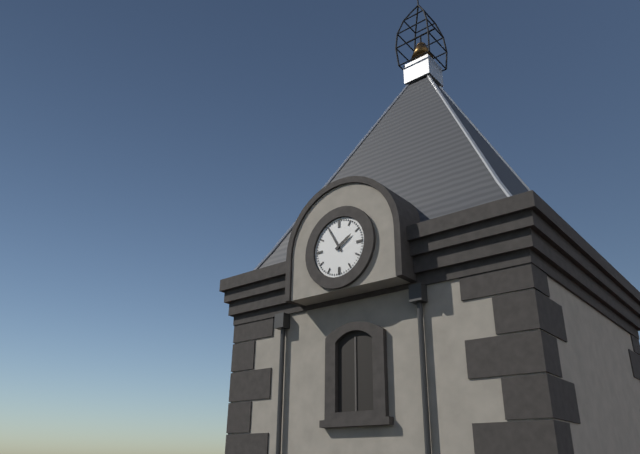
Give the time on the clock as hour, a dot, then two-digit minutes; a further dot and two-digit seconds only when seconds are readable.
1.55
